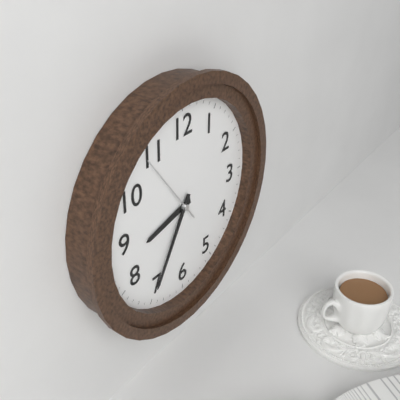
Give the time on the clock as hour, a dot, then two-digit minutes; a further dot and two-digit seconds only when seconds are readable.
8.35.54
